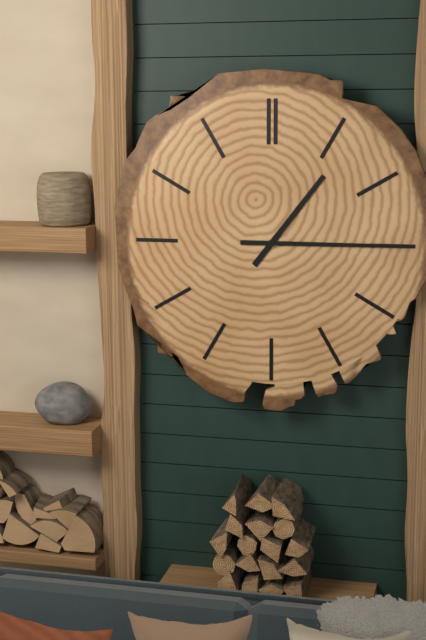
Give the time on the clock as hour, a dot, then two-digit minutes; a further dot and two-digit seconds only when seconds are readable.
1.15
